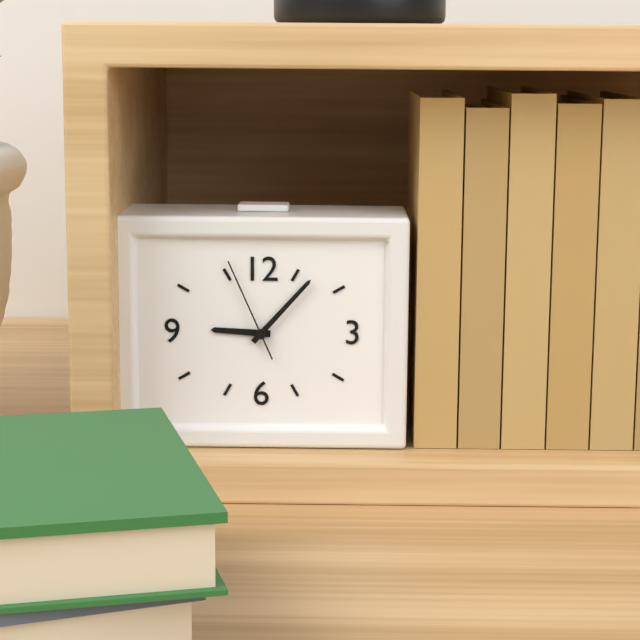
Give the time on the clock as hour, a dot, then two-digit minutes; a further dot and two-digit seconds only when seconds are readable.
9.07.56
